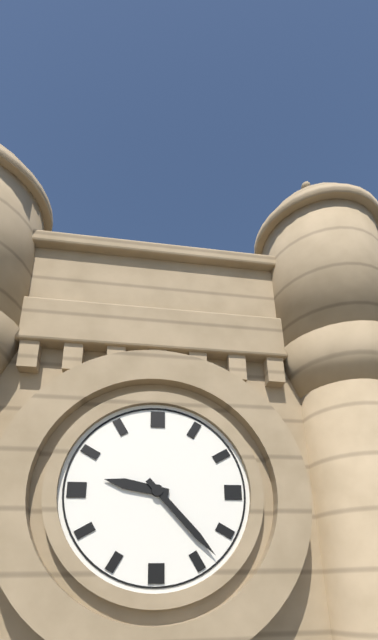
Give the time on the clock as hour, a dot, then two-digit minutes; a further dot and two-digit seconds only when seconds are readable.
9.23
